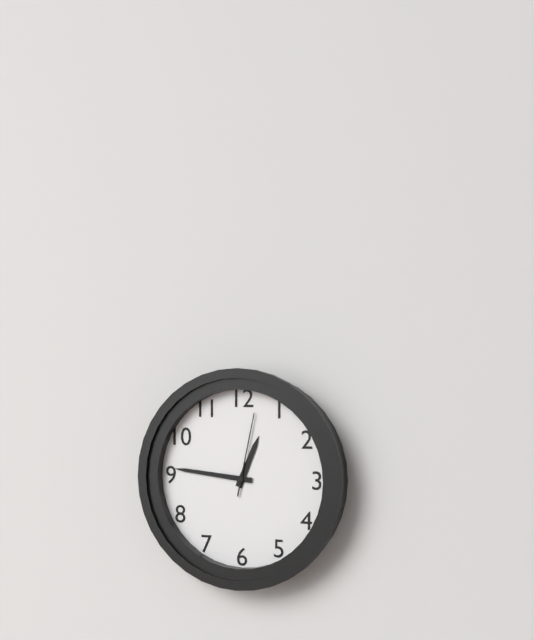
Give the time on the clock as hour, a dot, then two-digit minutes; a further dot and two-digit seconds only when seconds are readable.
12.46.02
